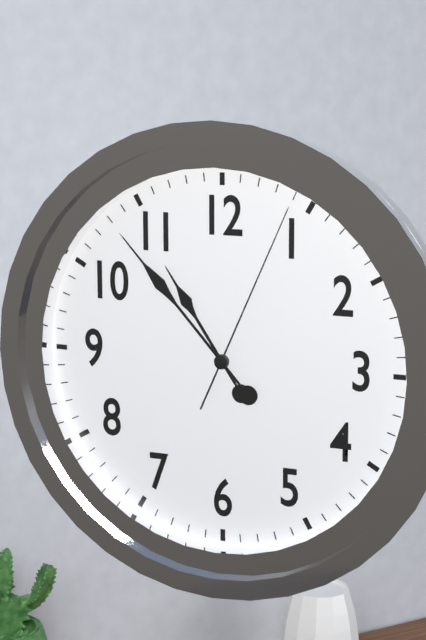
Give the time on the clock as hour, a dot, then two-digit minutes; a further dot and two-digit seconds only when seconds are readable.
10.53.04
